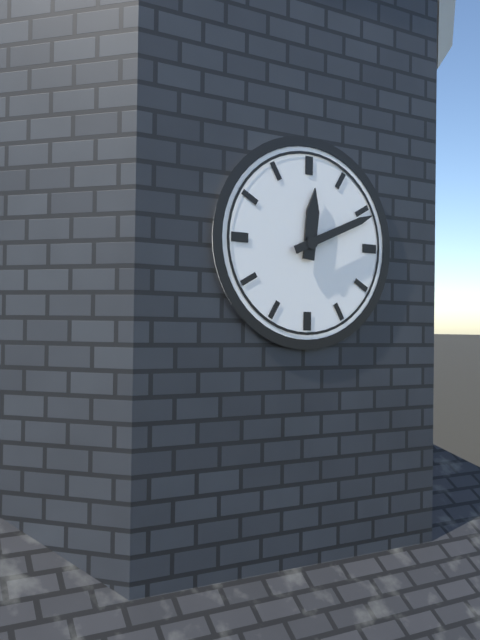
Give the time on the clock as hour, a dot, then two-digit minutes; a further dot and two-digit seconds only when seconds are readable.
12.11
